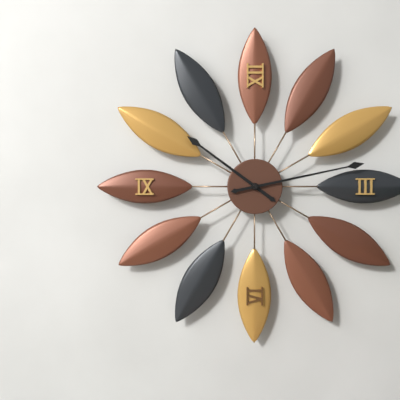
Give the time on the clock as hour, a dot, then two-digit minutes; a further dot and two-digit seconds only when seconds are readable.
10.13
